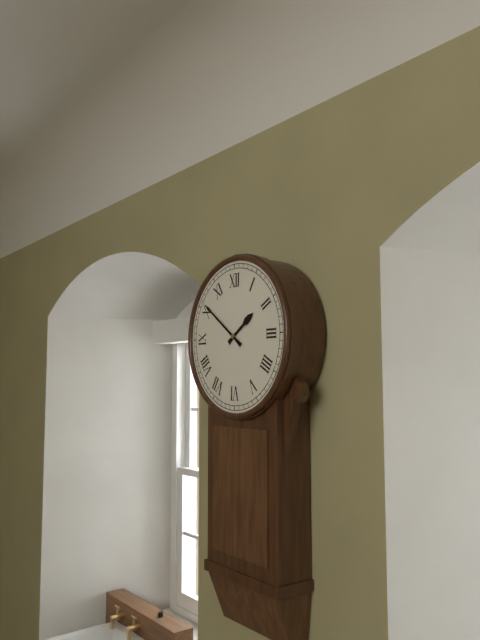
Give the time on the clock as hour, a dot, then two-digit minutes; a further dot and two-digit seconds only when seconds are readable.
1.51
